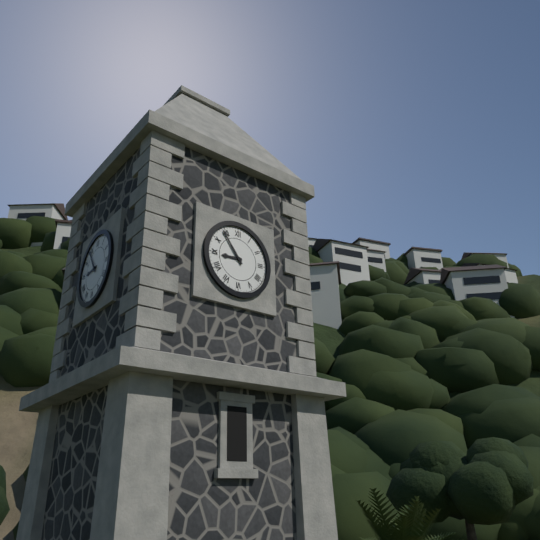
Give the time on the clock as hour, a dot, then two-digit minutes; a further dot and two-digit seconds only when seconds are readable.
8.54
